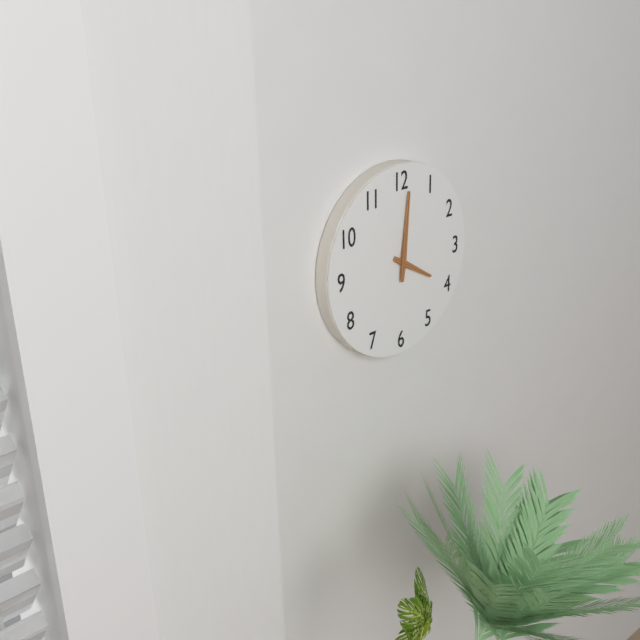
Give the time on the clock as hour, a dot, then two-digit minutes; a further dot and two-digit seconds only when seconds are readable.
4.01
